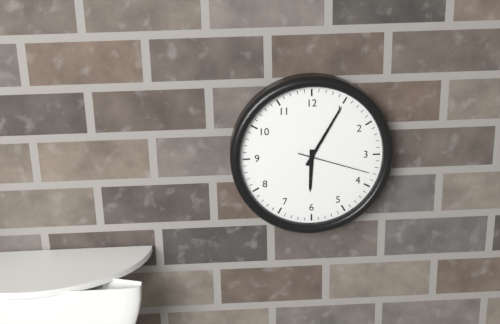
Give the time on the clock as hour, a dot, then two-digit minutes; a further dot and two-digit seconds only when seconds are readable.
6.05.18
